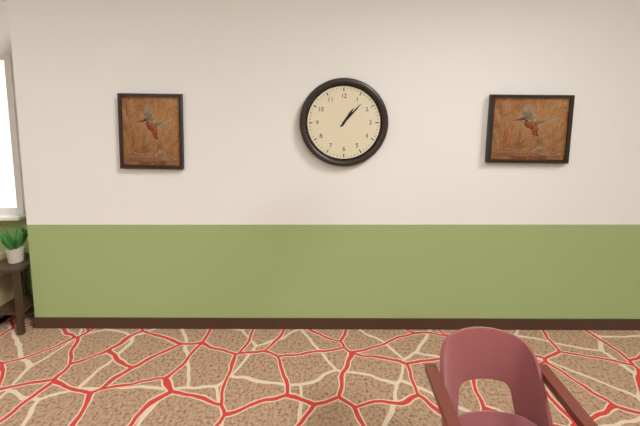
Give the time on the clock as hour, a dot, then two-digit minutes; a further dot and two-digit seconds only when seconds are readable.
1.07
